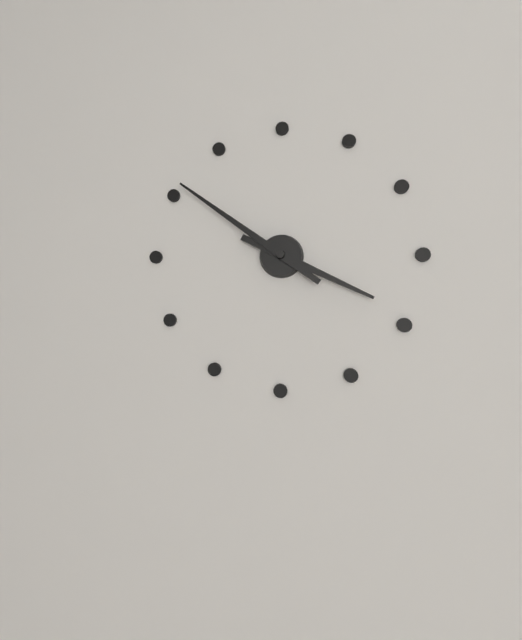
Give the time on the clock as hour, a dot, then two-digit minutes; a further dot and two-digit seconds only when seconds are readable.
3.51
